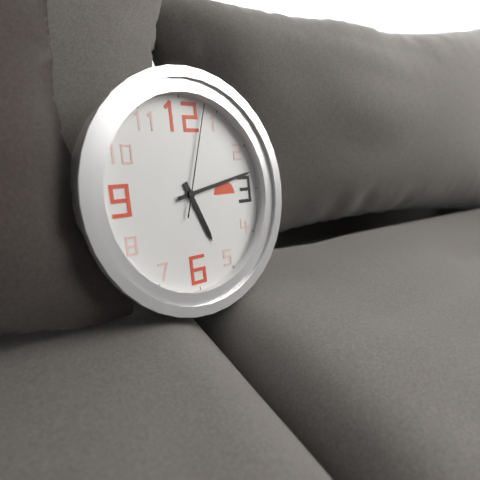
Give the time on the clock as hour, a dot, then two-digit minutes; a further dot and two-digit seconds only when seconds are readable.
5.13.03
